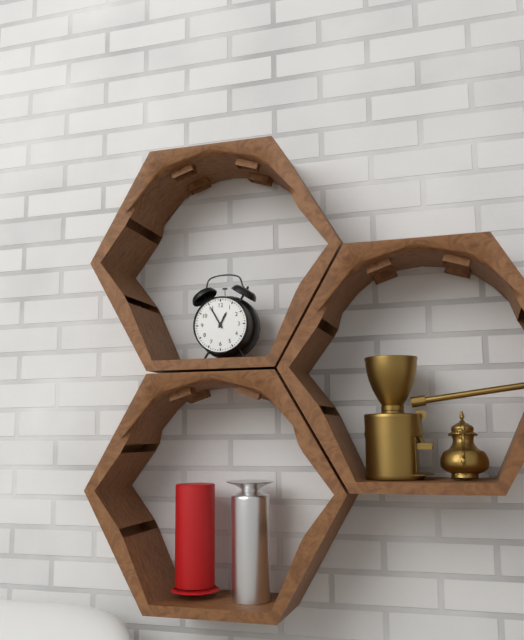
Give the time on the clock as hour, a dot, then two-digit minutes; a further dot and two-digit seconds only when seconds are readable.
12.55
